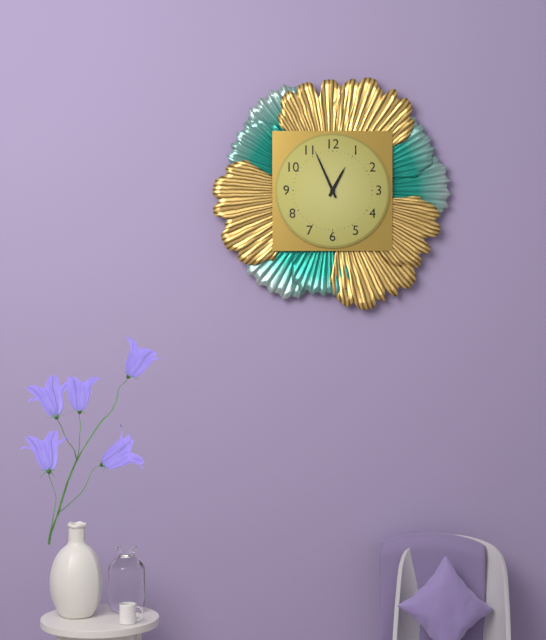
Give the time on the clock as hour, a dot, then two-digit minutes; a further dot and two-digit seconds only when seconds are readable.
12.56
